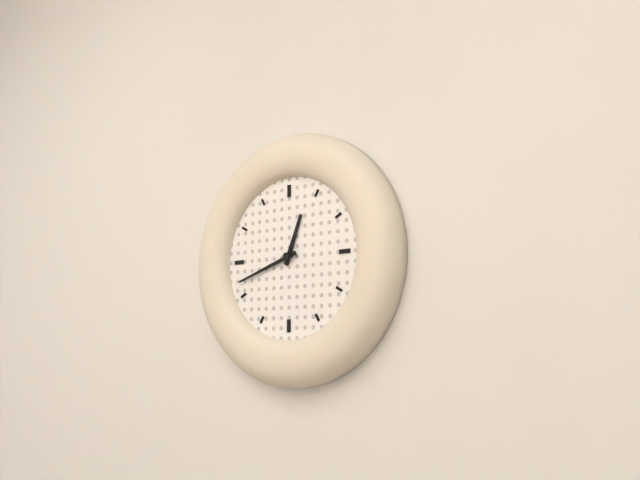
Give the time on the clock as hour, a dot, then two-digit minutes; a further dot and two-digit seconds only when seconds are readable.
12.42
